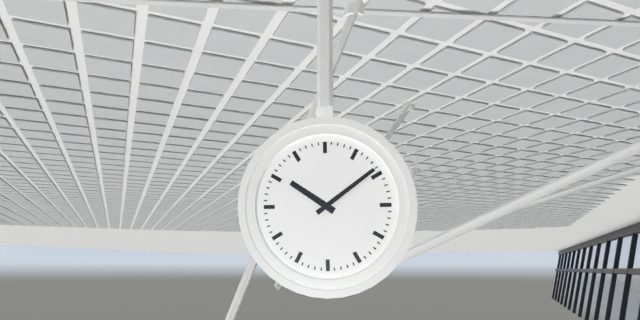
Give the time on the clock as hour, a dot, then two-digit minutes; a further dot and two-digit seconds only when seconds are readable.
10.09
